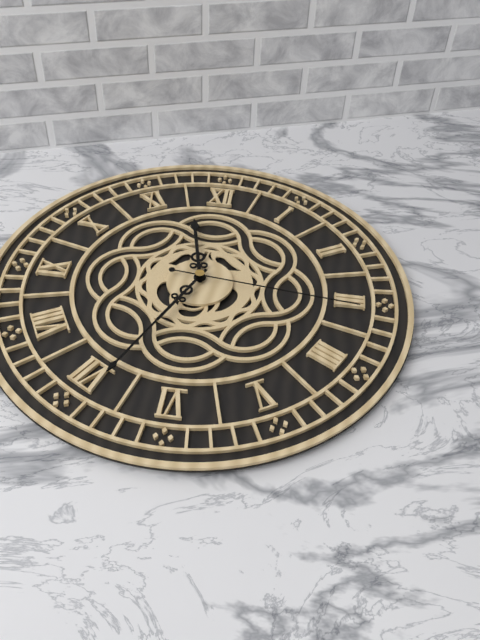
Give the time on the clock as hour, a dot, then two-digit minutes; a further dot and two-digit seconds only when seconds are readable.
11.34.16
